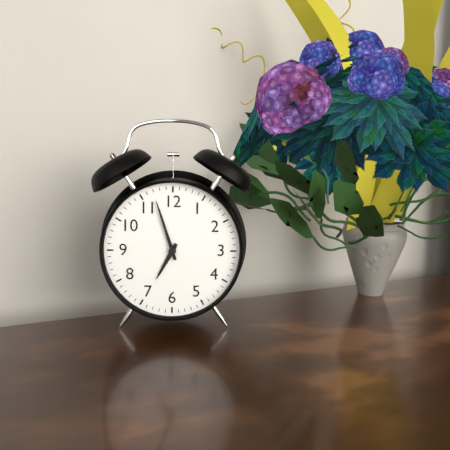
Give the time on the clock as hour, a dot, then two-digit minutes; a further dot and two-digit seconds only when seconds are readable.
6.57
